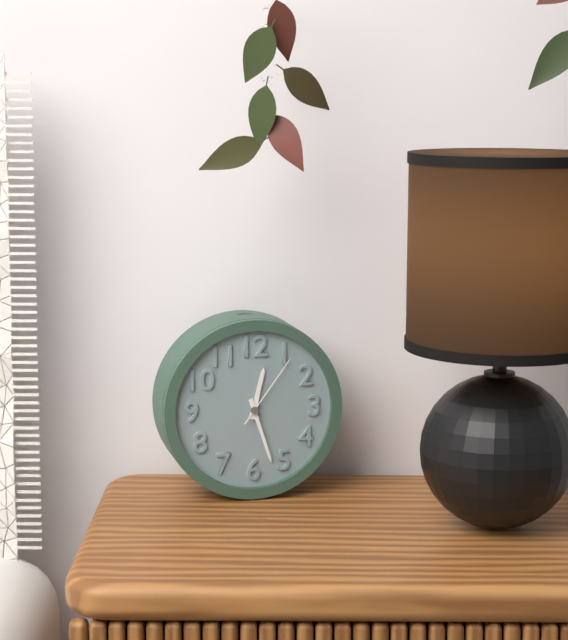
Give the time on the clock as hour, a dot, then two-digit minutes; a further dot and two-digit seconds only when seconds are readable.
12.27.06
